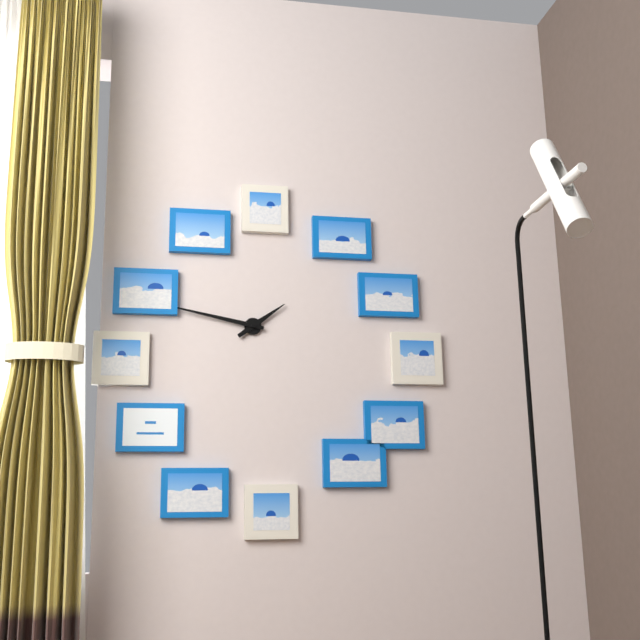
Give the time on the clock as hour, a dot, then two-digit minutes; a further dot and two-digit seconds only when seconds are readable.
1.47
